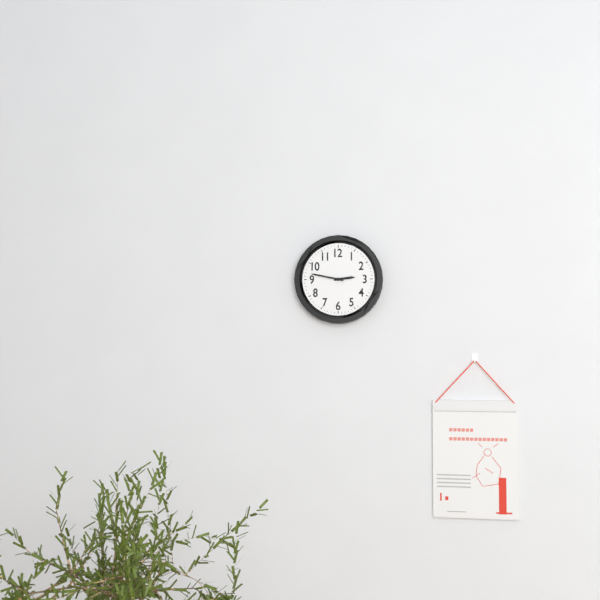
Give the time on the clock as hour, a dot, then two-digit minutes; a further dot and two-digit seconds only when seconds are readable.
2.47
